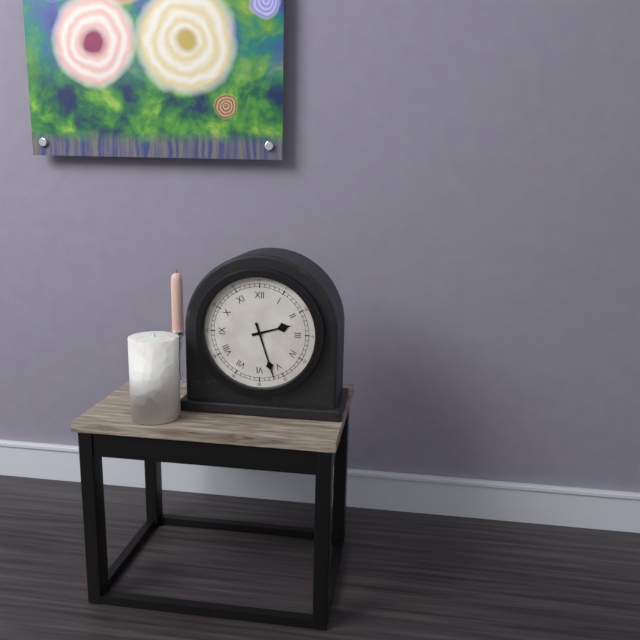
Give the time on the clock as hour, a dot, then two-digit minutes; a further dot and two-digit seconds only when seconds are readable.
2.27
